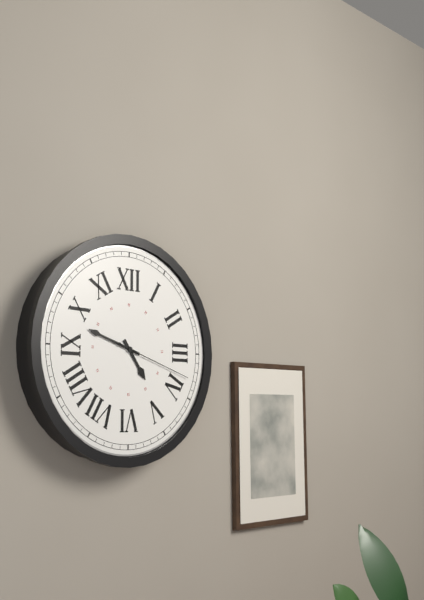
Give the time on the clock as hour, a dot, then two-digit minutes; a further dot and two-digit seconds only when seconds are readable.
4.48.18
